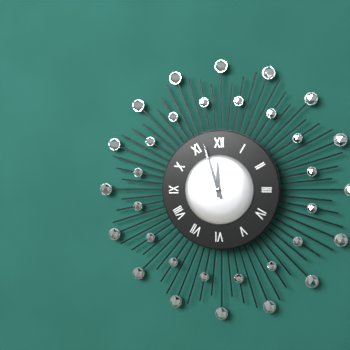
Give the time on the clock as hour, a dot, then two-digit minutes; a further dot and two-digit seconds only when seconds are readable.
11.57
